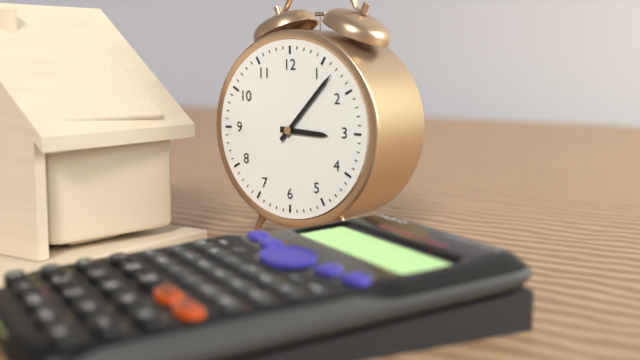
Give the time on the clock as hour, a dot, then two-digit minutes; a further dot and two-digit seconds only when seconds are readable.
3.07
